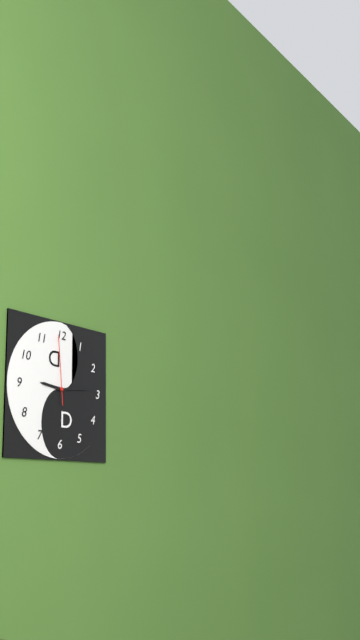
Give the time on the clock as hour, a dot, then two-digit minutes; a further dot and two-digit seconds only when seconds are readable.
9.14.59
